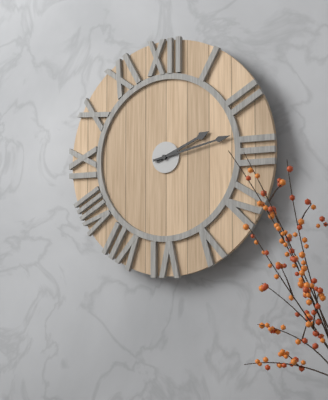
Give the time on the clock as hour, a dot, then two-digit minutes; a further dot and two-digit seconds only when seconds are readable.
2.13
